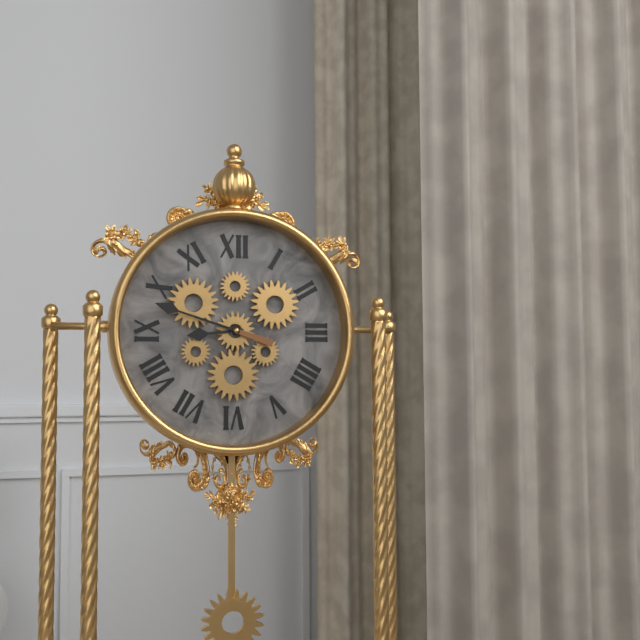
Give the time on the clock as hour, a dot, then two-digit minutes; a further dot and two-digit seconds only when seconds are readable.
8.48
